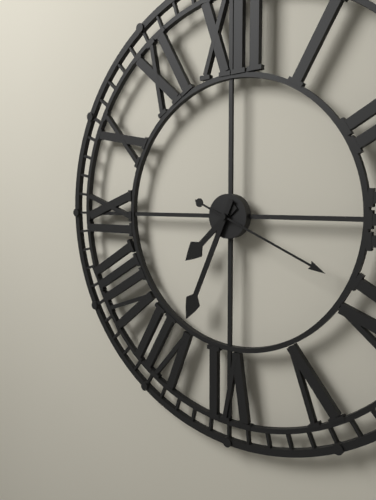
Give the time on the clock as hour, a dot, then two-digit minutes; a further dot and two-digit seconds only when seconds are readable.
7.34.19
